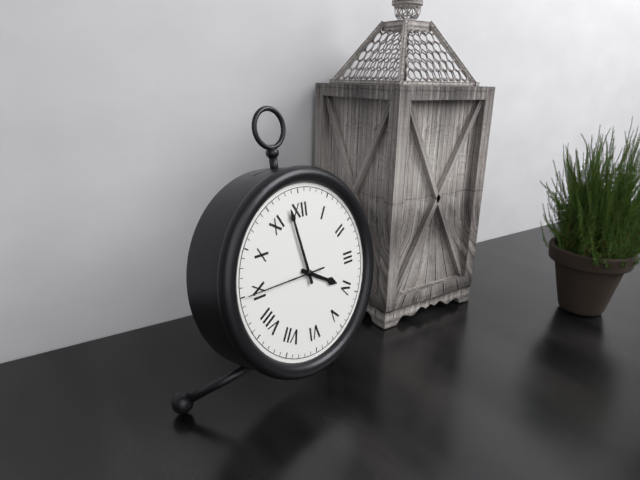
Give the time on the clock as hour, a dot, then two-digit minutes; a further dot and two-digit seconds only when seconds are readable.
3.58.45
